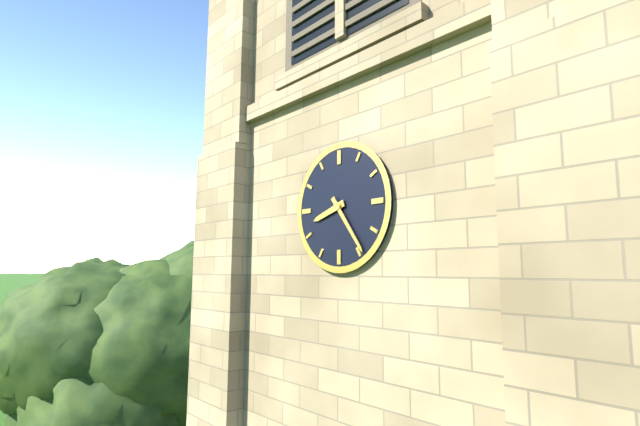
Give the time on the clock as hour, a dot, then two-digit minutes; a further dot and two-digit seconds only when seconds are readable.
8.24
